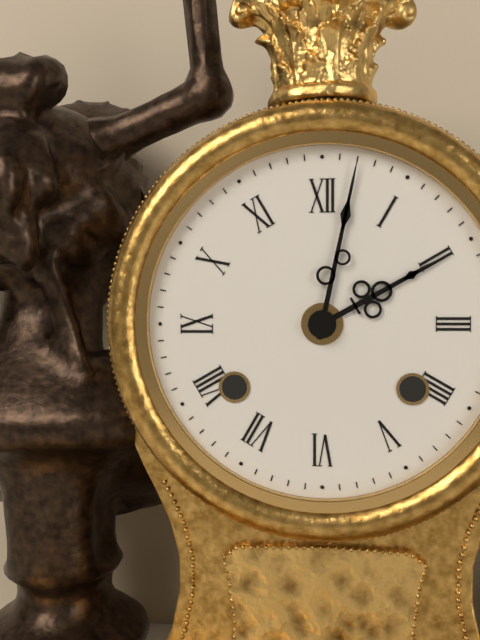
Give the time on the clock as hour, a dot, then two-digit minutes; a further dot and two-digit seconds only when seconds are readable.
2.02
